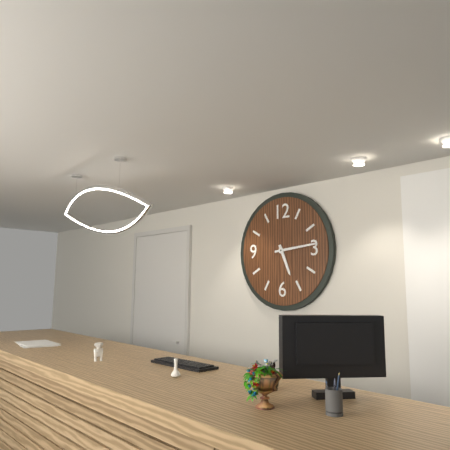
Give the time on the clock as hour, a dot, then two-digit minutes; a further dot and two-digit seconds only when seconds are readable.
5.14
